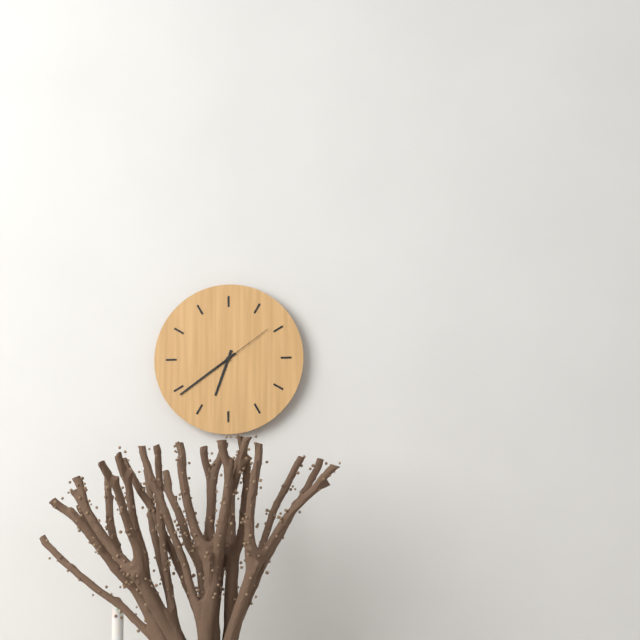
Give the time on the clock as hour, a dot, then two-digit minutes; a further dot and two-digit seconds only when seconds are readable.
6.39.09
